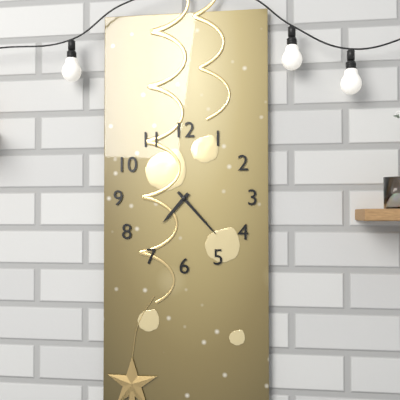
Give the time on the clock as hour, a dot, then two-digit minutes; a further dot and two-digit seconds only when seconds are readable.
7.23
